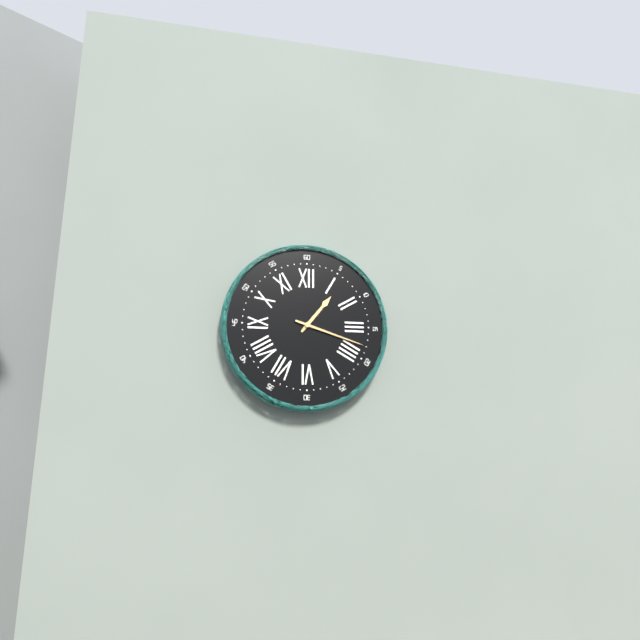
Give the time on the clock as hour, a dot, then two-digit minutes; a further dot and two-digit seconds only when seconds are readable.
1.18
